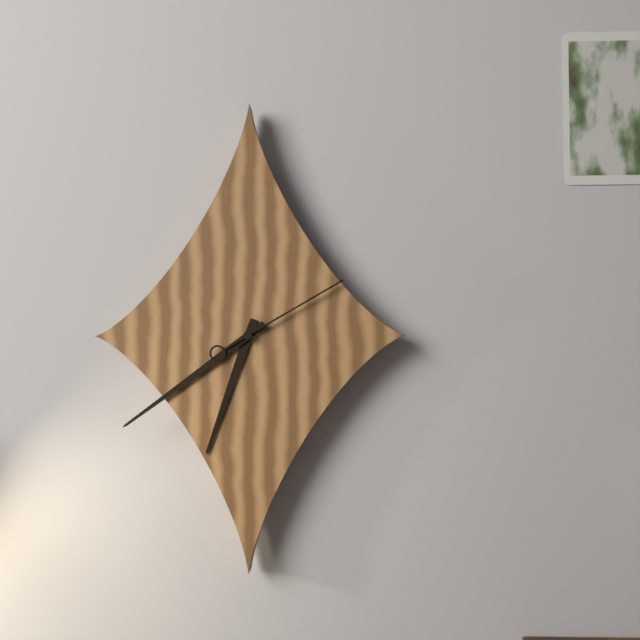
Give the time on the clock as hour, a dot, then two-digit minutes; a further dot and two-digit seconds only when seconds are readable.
6.39.10
